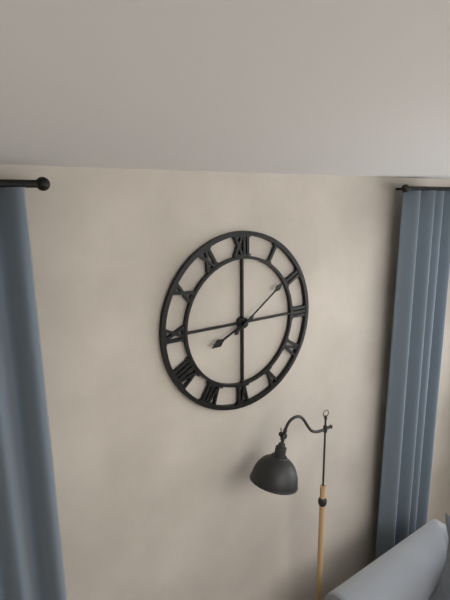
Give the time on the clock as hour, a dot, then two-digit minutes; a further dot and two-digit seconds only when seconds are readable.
8.09
